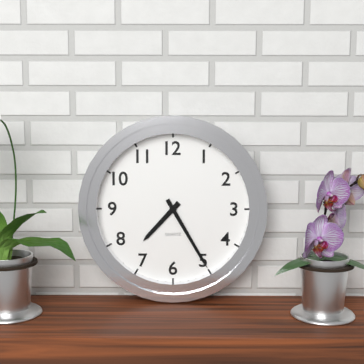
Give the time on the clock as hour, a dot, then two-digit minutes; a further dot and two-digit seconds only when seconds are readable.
7.25
